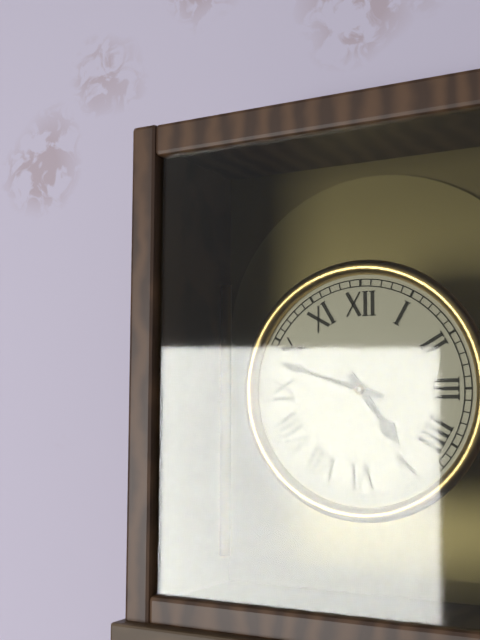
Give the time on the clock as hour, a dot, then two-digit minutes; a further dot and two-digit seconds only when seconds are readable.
4.48
